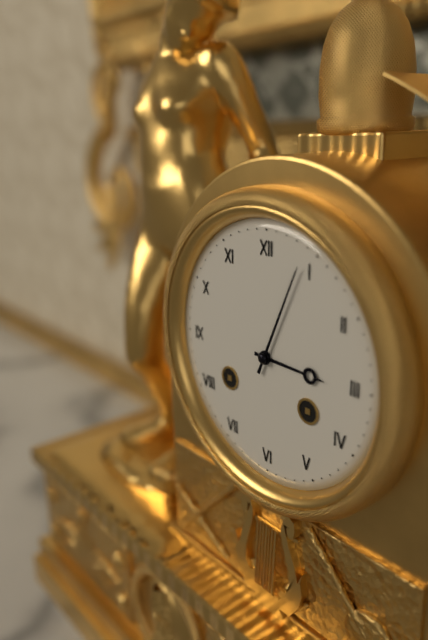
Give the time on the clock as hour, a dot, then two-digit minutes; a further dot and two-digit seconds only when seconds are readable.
3.04
